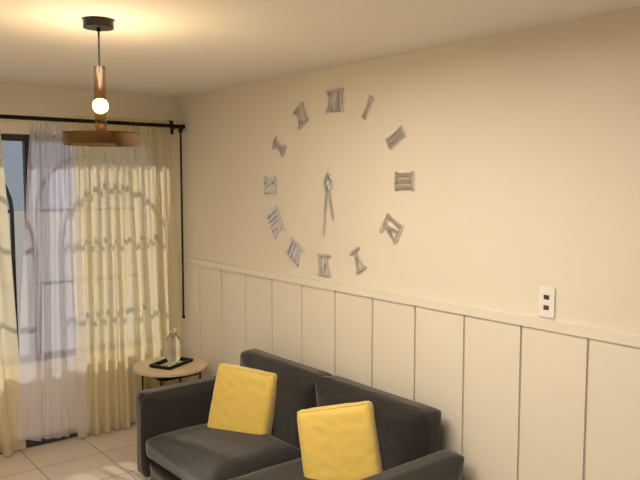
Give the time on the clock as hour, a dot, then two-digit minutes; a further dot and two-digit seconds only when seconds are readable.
5.31
